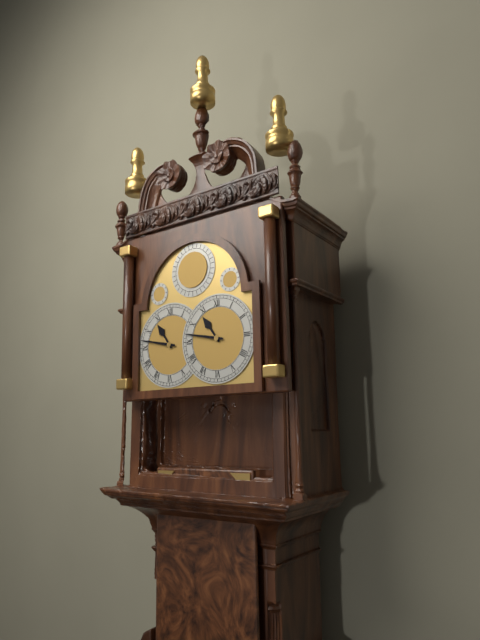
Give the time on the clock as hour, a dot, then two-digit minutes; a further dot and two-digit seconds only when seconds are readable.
10.47
